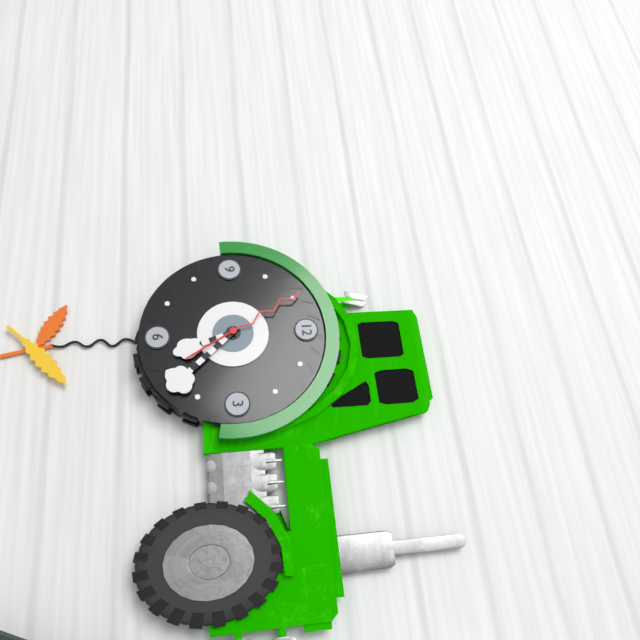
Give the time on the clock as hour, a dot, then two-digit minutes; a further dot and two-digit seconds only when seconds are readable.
5.23.55
